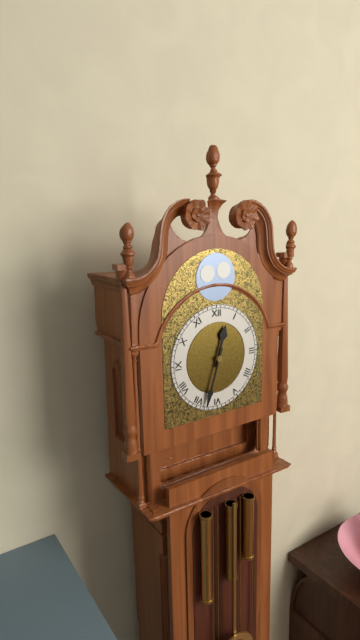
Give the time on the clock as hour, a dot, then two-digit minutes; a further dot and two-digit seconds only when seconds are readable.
12.33
